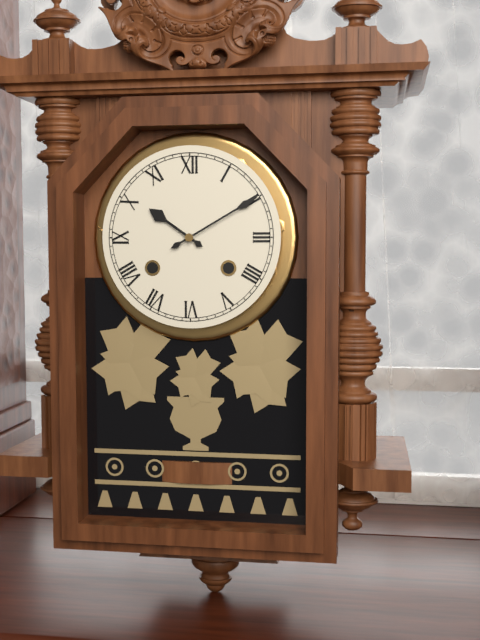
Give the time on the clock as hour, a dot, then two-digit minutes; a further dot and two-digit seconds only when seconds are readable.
10.10
